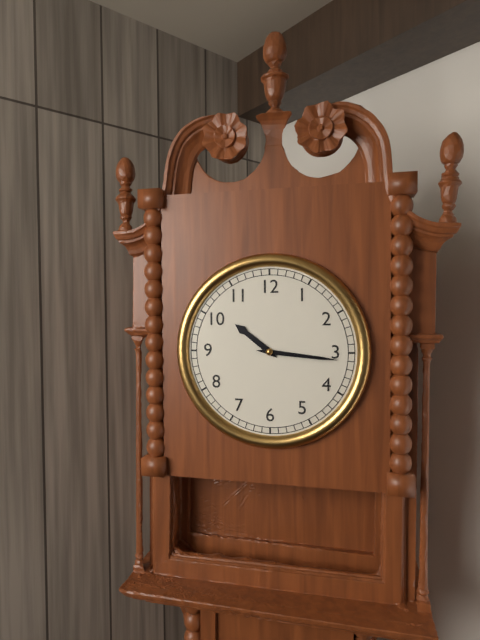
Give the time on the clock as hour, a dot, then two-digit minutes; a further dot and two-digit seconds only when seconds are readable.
10.16
